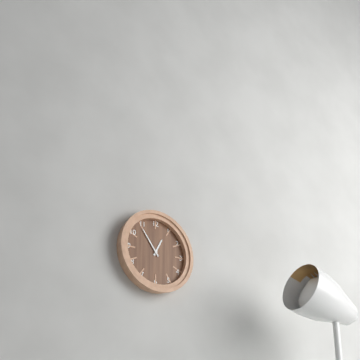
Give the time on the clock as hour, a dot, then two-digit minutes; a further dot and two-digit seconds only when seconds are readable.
12.54
